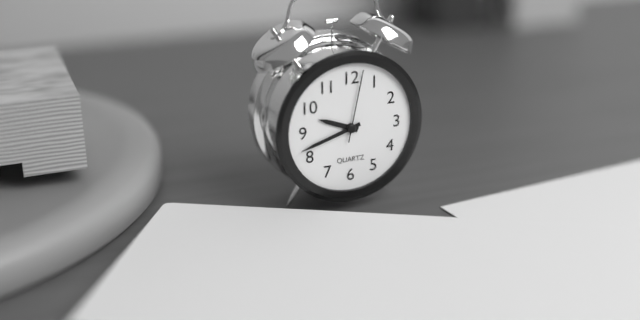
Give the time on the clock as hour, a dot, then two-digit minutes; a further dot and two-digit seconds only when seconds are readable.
9.42.02
